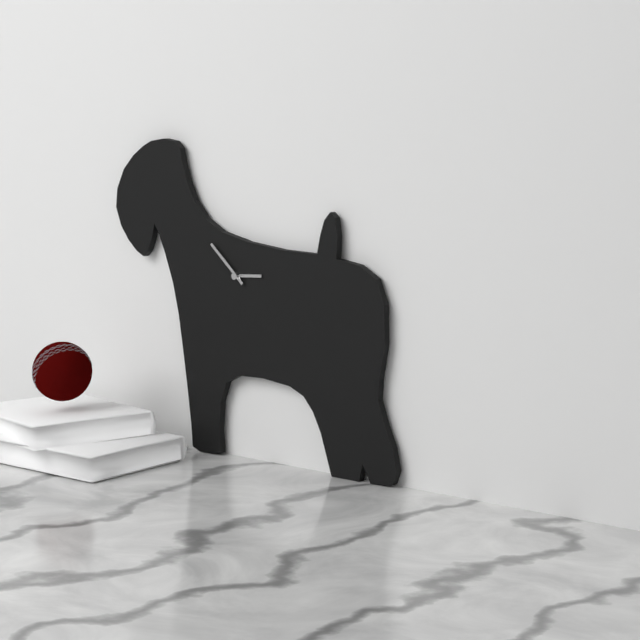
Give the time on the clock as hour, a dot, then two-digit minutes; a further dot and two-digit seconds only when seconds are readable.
2.52
